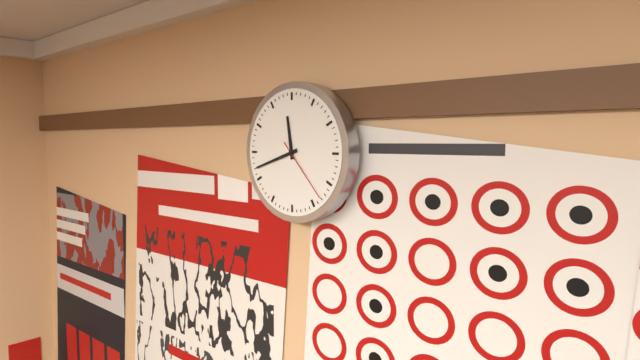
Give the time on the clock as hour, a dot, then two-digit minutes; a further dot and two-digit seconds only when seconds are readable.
11.42.23
